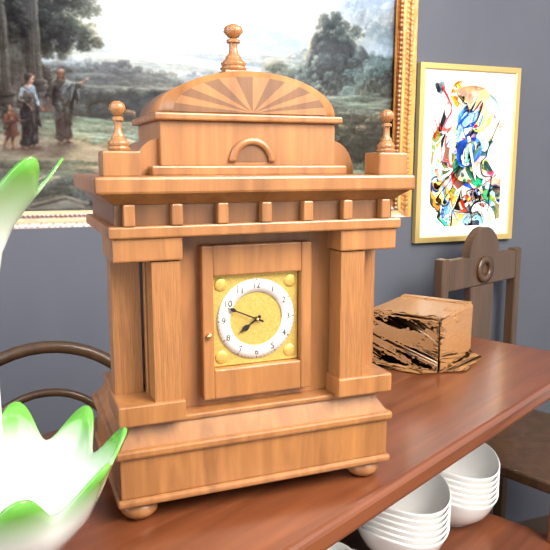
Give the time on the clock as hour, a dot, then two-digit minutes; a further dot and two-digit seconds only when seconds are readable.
7.49
